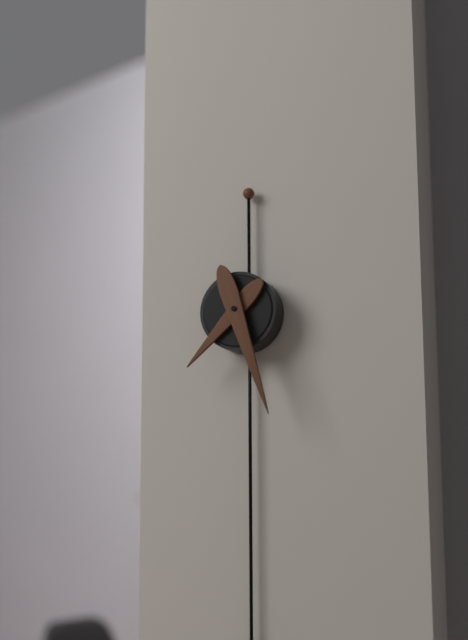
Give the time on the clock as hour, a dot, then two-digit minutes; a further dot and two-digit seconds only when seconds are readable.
7.27
